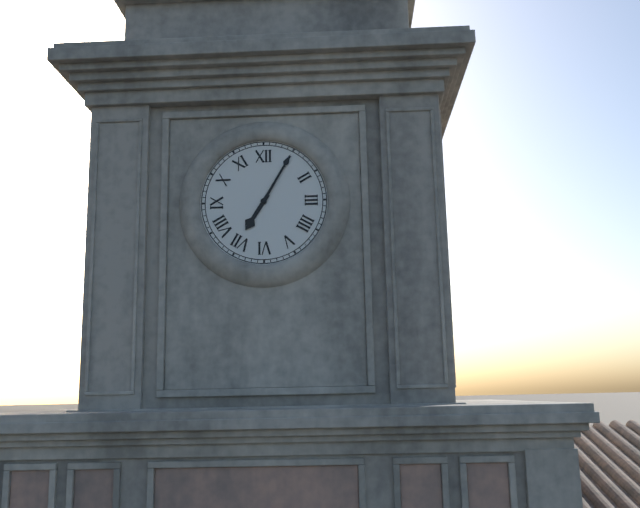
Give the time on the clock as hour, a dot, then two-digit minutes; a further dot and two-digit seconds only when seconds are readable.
7.05
